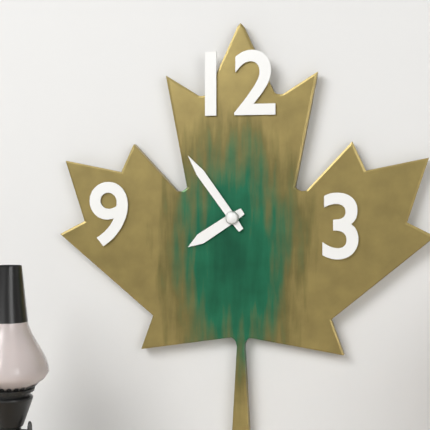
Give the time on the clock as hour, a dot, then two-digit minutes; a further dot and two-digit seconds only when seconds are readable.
7.54
